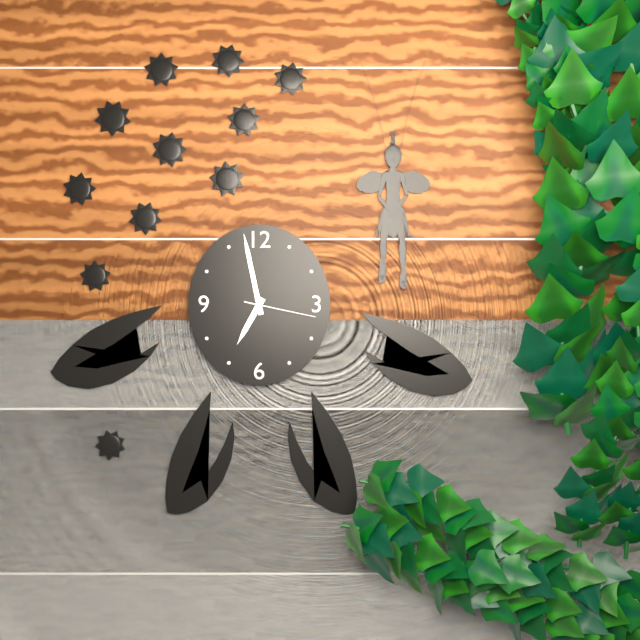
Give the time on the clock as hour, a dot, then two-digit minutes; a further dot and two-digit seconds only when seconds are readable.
6.58.17
